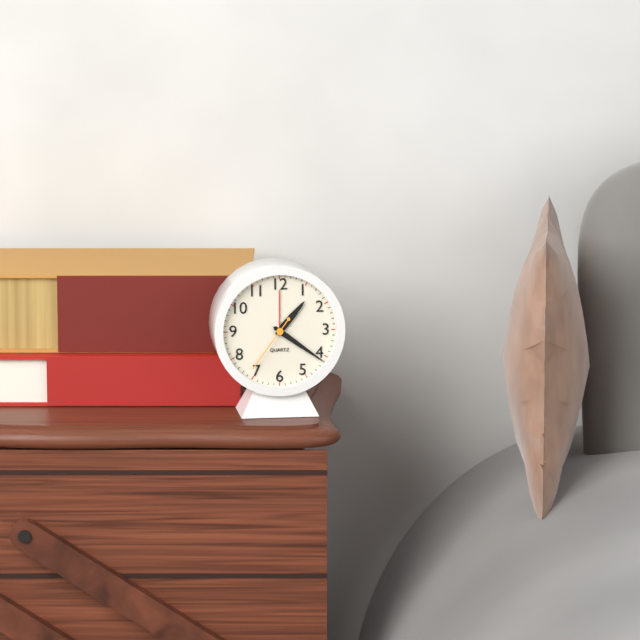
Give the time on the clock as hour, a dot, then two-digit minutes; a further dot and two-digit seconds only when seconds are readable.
1.21.36
